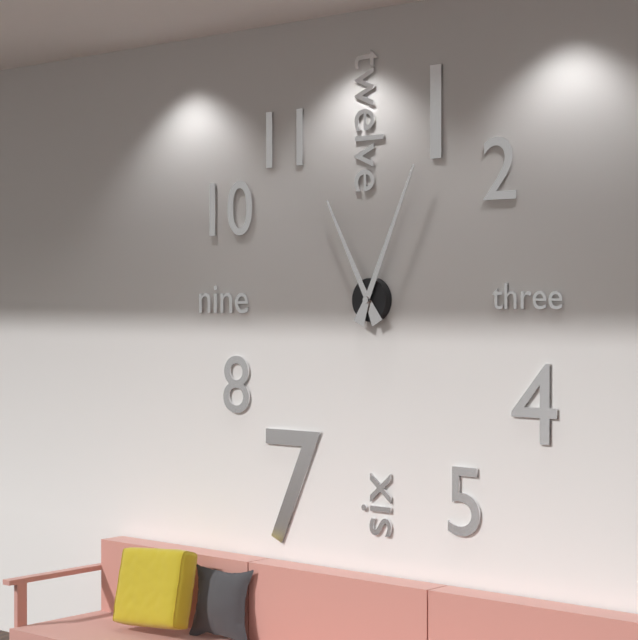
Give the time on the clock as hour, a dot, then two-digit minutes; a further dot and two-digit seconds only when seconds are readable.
11.04
